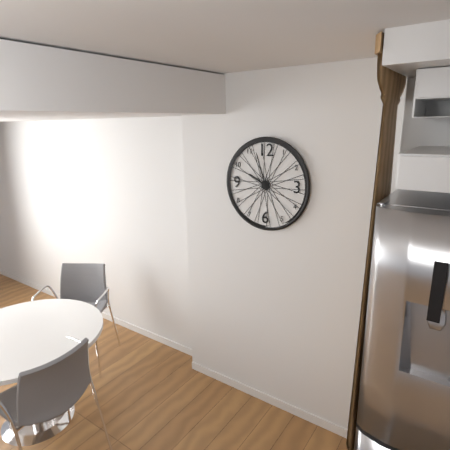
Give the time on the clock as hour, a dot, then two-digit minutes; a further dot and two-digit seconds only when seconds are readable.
9.57
